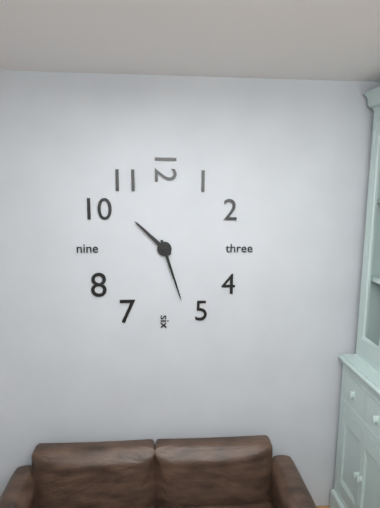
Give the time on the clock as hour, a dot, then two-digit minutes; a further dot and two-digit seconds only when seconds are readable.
10.27
